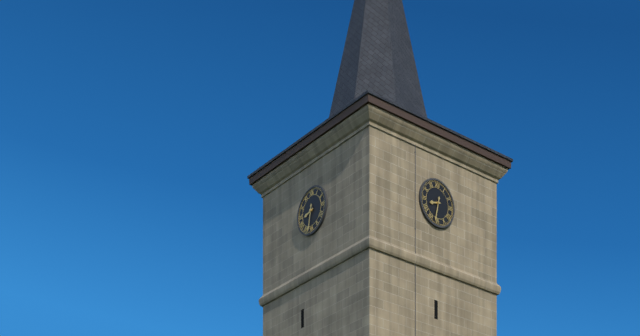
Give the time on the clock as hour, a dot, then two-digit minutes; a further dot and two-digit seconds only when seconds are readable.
8.32
